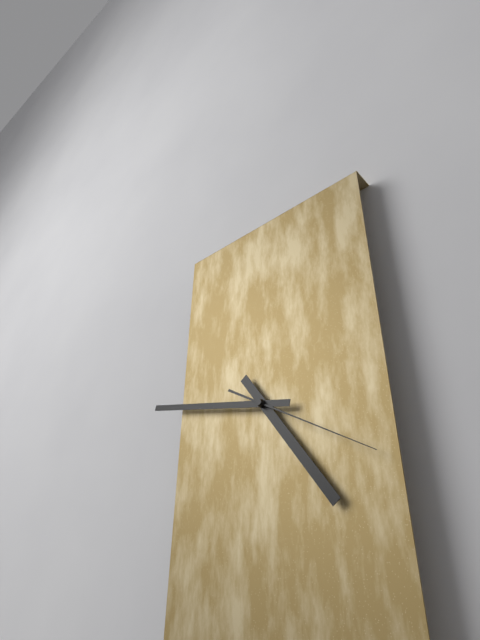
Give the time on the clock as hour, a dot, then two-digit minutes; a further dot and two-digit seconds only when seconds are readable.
4.47.20
